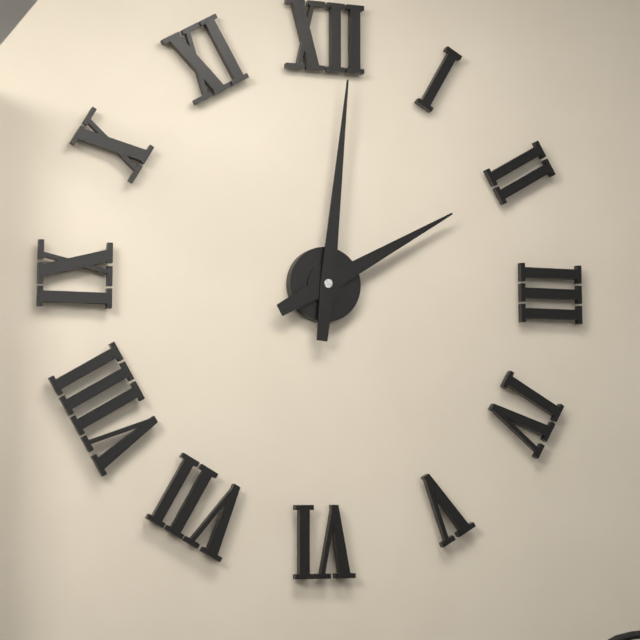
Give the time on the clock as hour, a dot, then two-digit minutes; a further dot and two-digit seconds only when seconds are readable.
2.01
